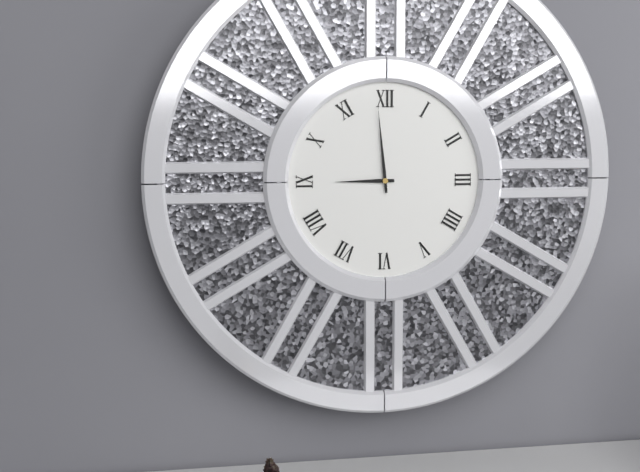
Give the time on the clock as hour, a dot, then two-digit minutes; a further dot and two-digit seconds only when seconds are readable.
8.59
